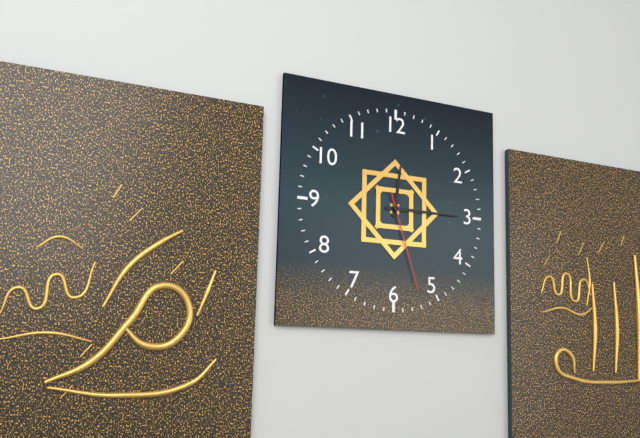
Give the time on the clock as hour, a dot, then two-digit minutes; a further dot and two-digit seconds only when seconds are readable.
12.15.27
